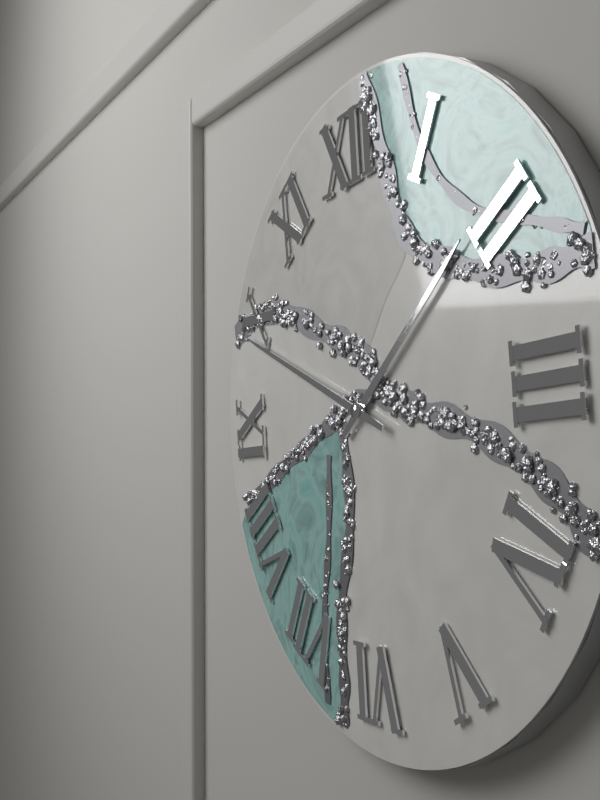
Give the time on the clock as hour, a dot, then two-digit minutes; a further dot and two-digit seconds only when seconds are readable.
1.49
